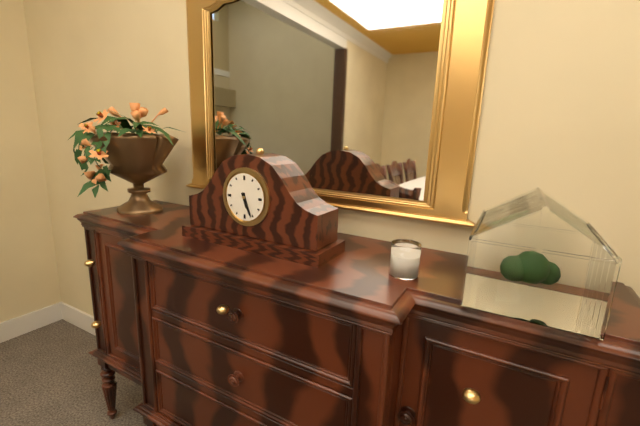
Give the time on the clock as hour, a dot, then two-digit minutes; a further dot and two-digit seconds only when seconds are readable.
5.26
